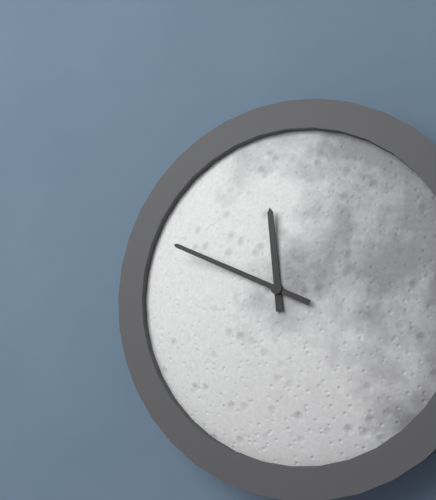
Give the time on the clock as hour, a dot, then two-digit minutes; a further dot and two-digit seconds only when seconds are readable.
11.49
